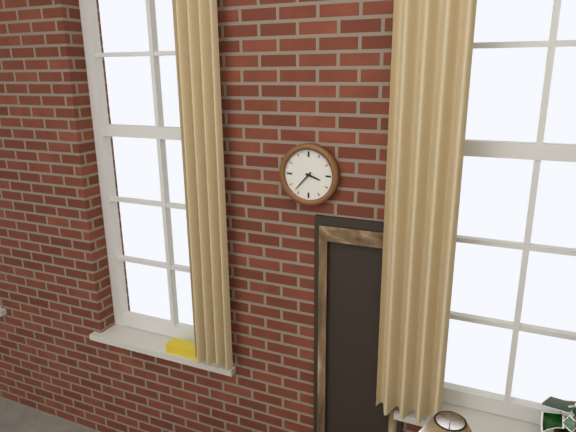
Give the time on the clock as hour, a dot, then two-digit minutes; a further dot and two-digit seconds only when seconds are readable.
3.37
